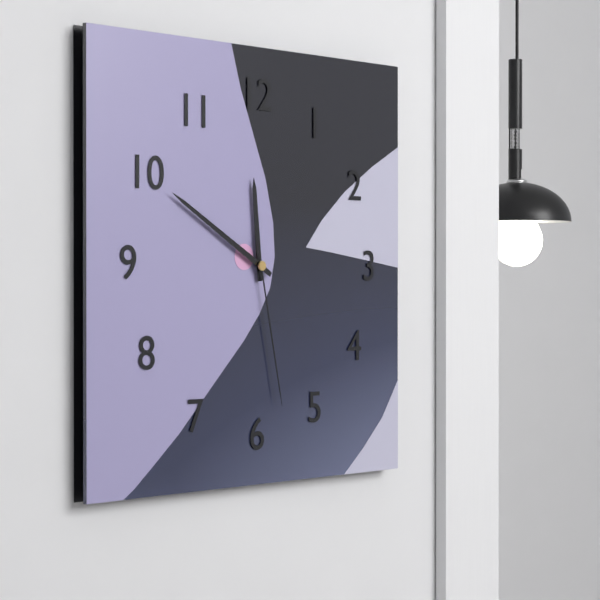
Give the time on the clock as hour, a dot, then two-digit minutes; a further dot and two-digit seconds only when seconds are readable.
11.50.28
